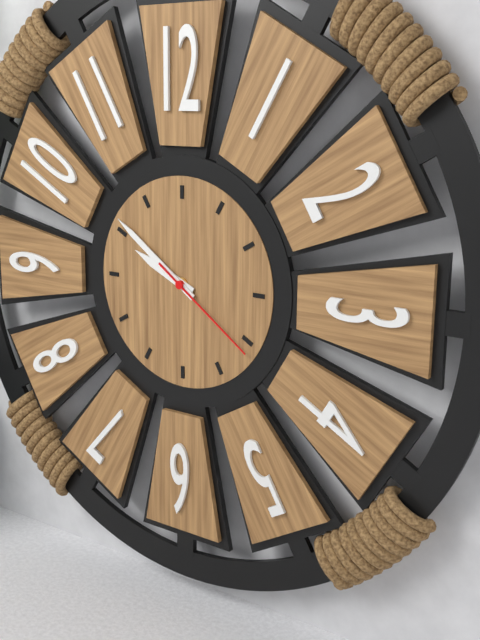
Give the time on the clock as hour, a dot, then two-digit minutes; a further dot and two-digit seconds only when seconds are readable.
9.51.21
